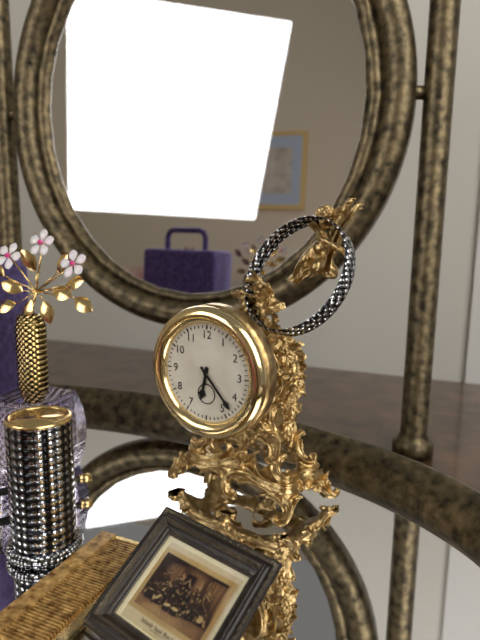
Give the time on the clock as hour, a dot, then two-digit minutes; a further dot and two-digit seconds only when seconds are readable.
6.23
